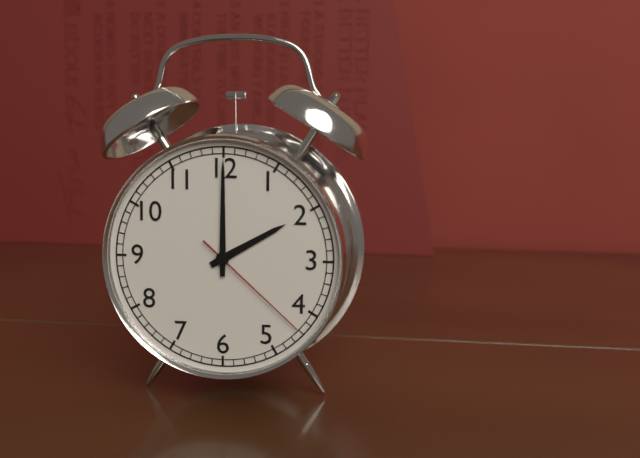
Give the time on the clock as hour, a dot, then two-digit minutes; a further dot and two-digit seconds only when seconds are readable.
2.00.22
